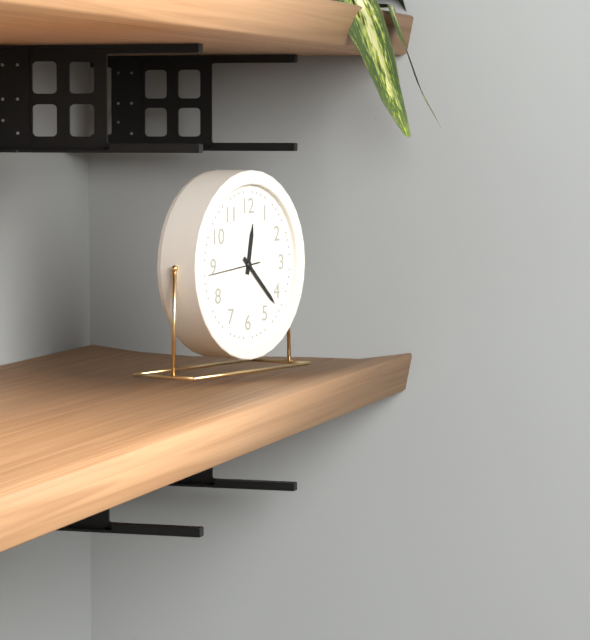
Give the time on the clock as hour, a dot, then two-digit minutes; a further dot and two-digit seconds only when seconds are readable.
12.22.44
